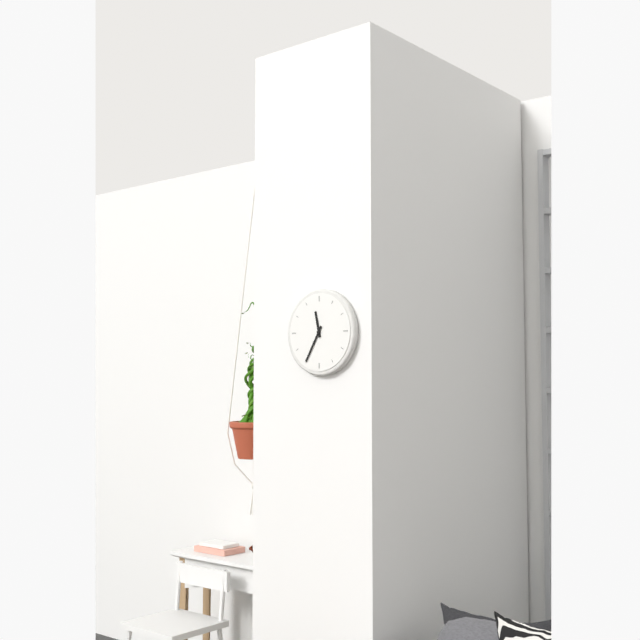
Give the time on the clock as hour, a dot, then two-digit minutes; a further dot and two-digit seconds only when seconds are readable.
11.35
